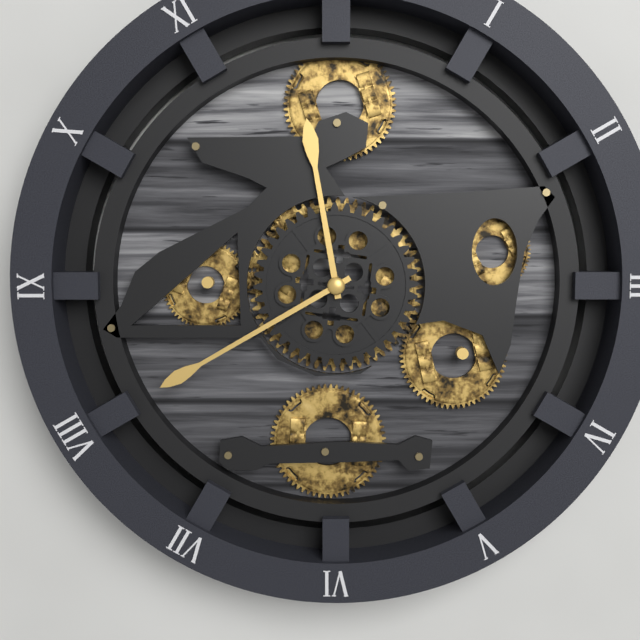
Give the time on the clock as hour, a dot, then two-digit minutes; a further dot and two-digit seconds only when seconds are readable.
11.40
